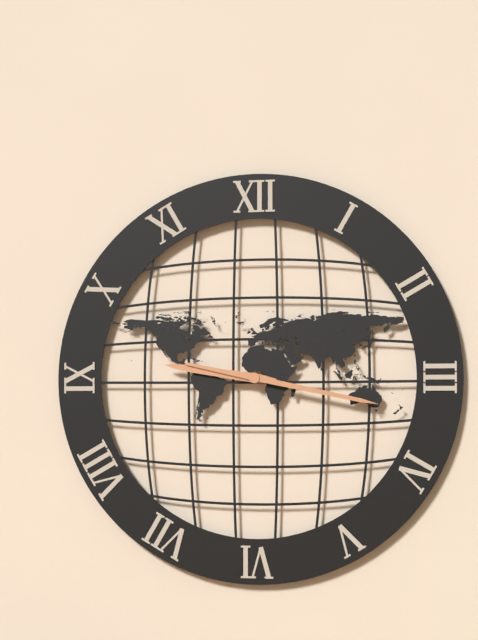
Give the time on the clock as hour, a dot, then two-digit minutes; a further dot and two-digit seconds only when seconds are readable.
9.17
